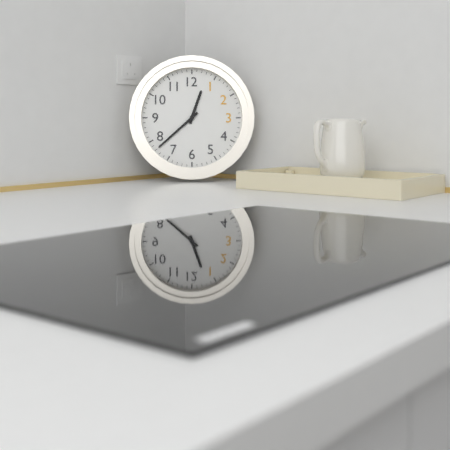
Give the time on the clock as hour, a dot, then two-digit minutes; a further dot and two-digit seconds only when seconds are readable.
12.38
